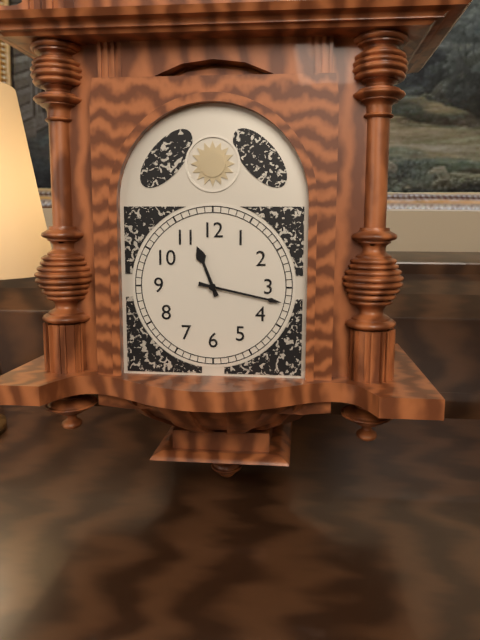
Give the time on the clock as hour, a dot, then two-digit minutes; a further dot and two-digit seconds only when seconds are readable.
11.17
